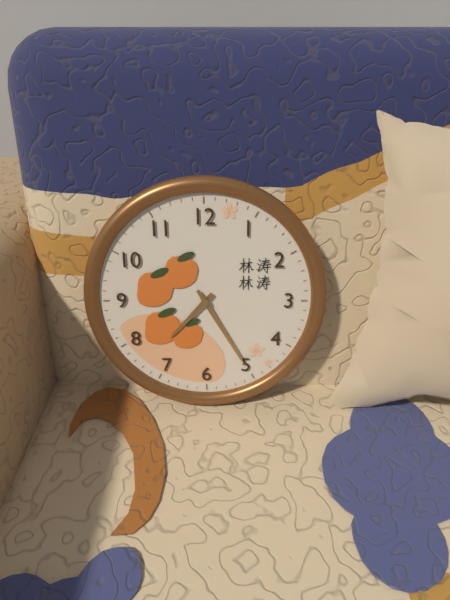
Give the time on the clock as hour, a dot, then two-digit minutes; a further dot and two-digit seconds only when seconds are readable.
7.25
